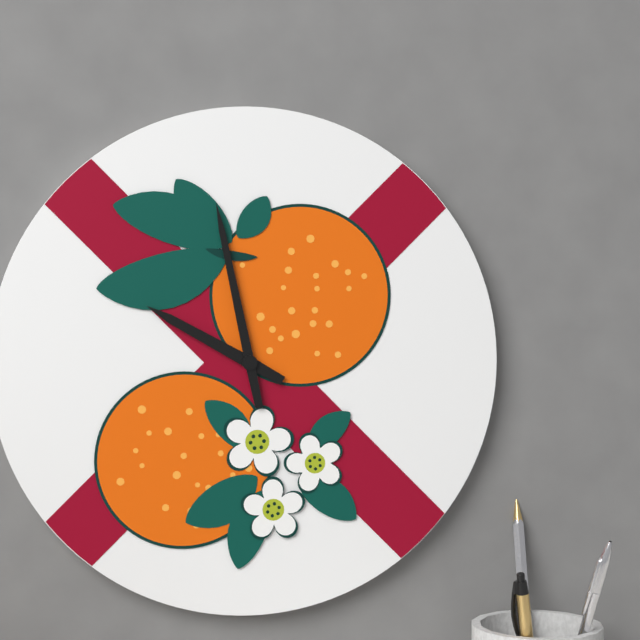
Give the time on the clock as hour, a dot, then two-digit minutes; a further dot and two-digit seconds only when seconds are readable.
9.58
